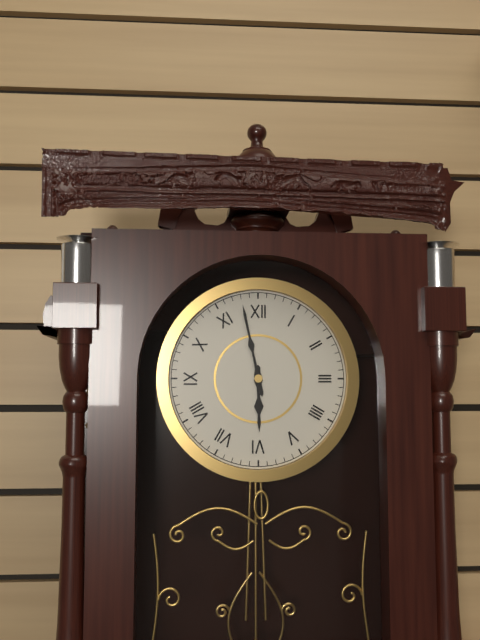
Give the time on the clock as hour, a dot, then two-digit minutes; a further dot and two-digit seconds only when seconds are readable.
5.58
